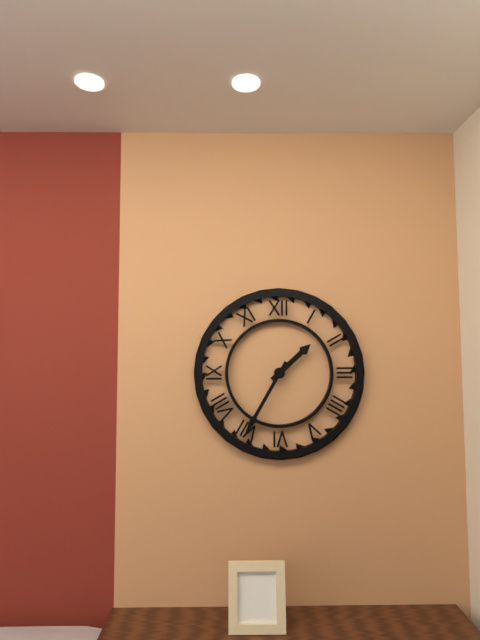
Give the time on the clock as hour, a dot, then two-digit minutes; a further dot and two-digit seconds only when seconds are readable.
1.35
